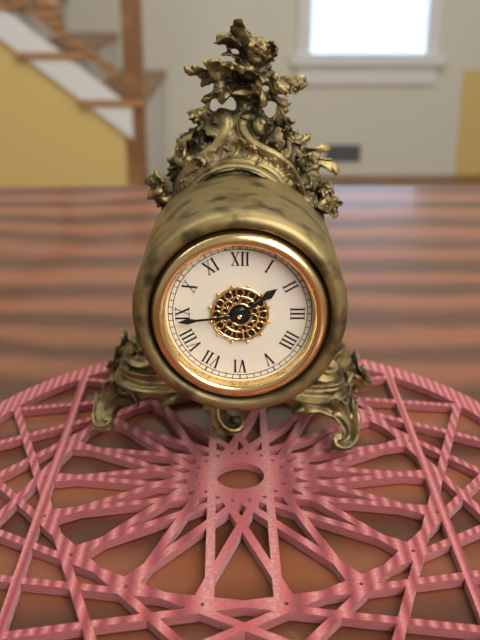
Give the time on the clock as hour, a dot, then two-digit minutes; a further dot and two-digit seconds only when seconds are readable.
1.44
